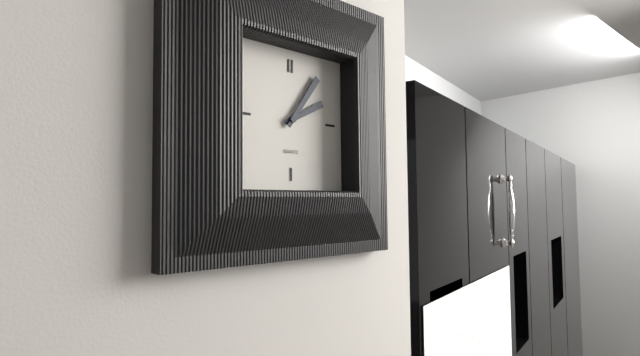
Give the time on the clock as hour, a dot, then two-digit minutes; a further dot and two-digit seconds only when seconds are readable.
2.06
